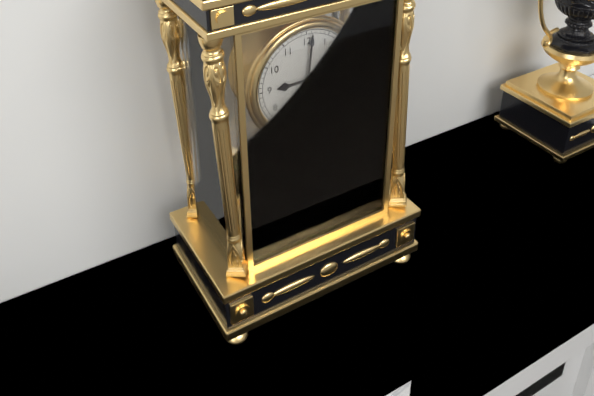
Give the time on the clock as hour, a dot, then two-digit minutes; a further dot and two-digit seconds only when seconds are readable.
9.01
